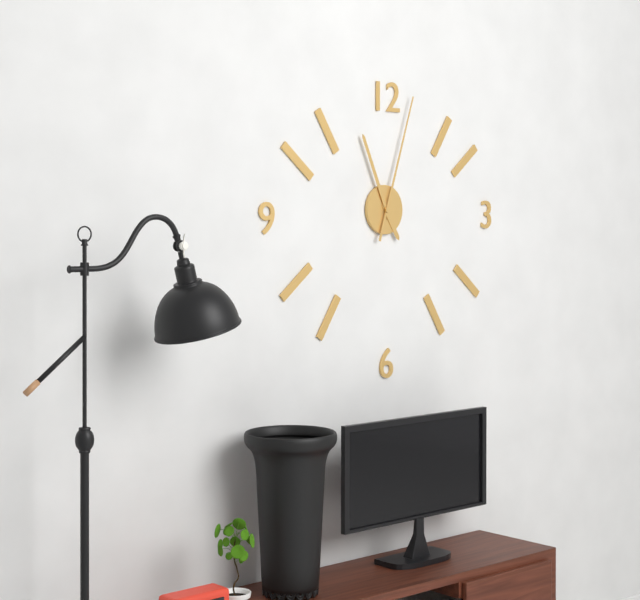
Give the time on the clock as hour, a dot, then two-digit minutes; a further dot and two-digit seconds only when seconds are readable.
4.56.03
